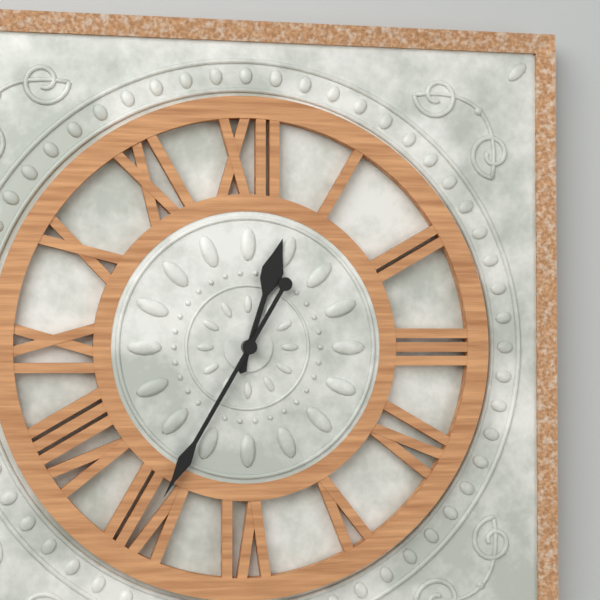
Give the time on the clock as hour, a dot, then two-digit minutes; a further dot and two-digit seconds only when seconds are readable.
12.35
